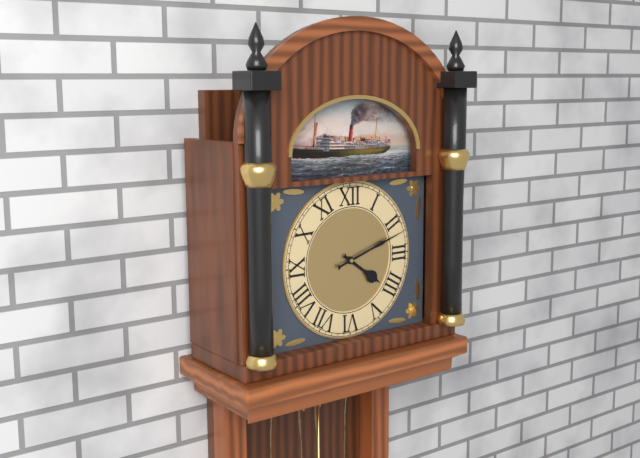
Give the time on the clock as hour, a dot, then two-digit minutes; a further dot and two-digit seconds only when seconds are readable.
4.12
